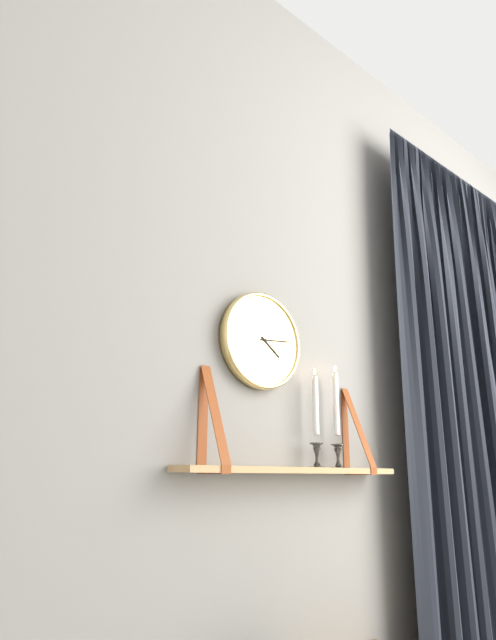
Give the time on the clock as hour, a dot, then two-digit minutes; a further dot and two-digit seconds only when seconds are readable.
4.14
